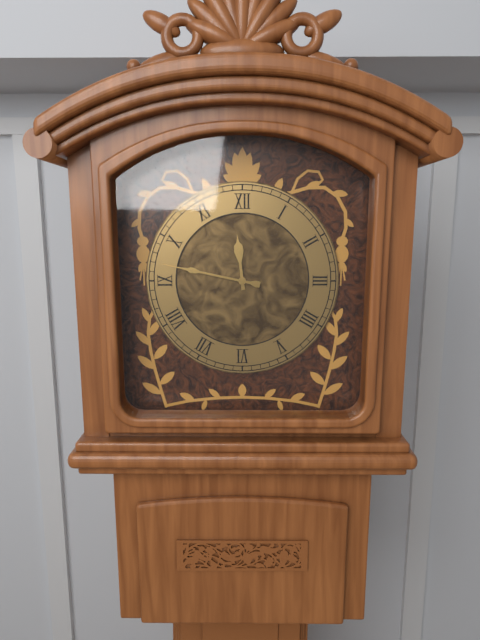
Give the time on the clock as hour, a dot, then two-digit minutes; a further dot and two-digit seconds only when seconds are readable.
11.47
